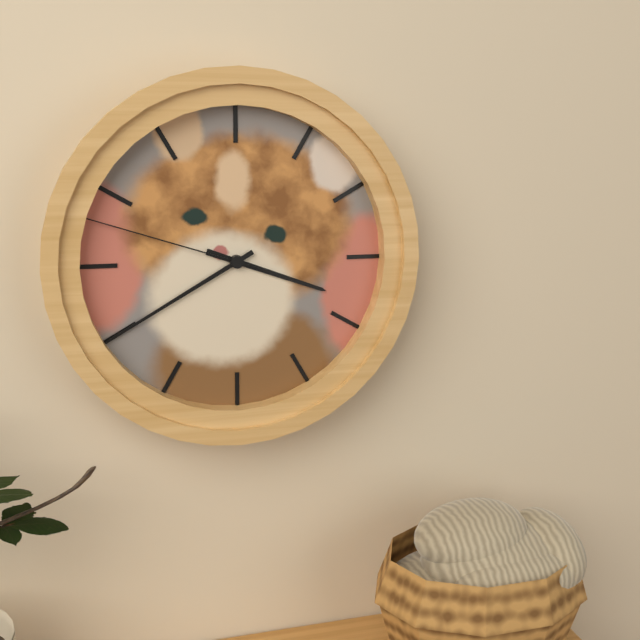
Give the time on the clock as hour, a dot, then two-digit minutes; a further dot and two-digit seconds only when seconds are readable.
3.40.48
